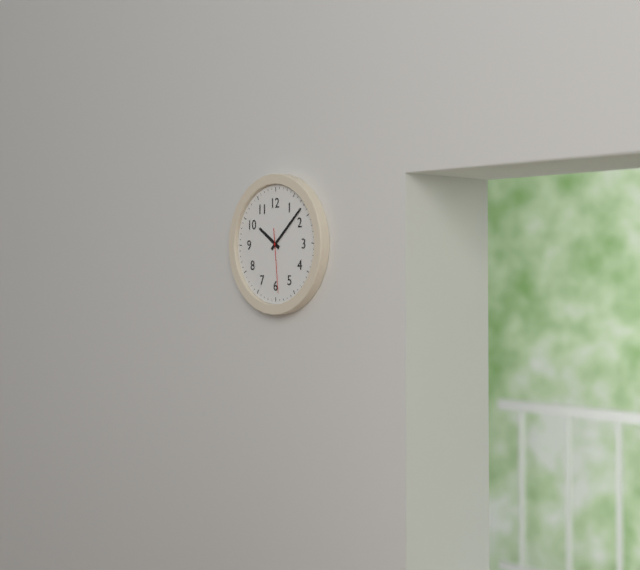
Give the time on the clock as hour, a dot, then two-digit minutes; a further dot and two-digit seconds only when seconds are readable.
10.08.29
